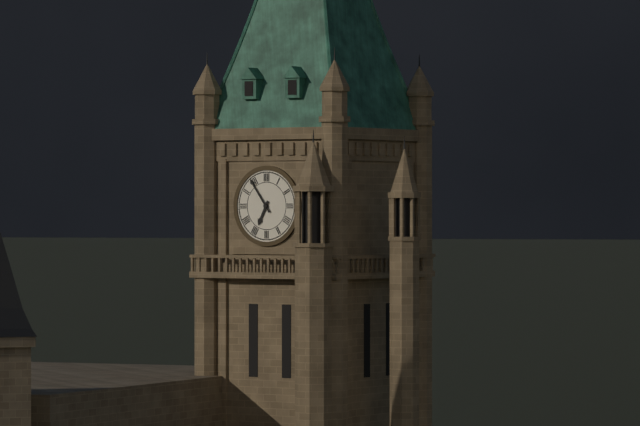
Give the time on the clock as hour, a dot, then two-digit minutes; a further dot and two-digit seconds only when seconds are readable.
6.54
